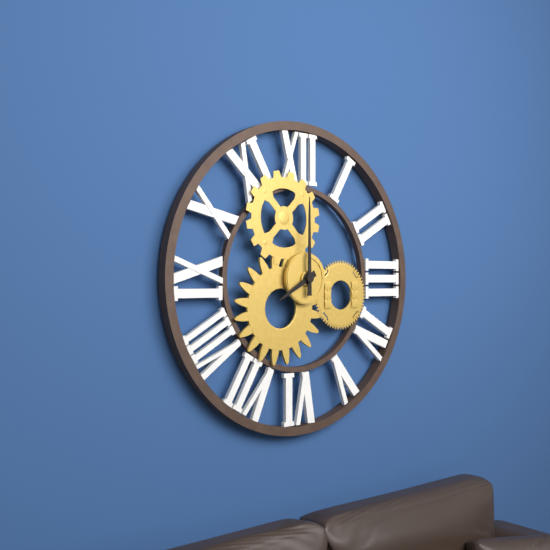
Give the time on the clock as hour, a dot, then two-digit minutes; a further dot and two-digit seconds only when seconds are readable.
8.00
